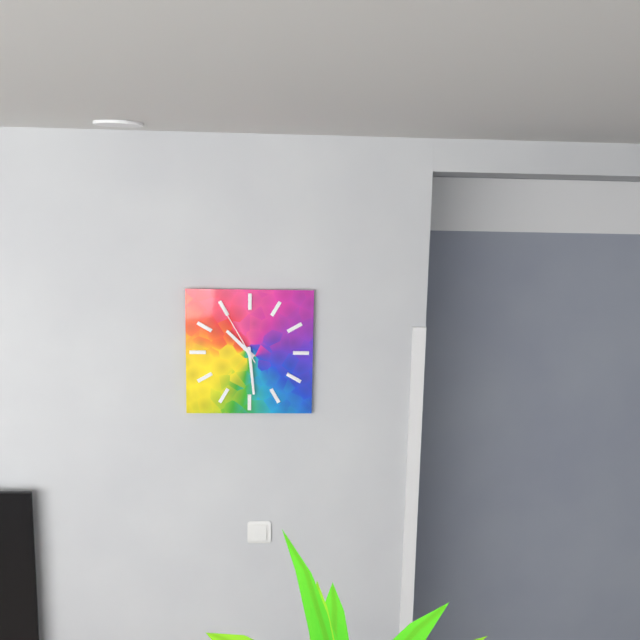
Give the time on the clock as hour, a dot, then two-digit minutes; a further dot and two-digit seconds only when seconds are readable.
10.29.55
